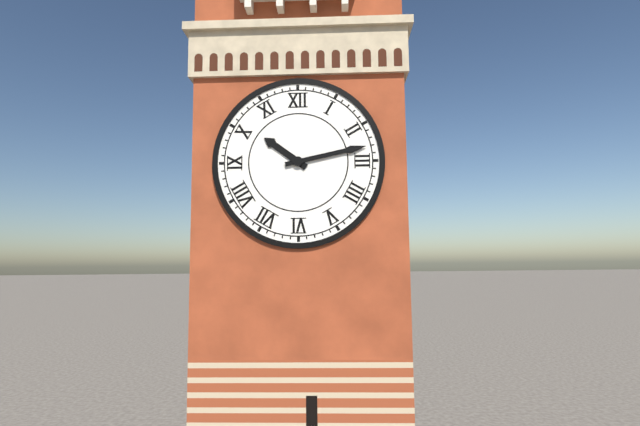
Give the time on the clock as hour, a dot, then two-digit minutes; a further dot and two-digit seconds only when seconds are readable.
10.13
